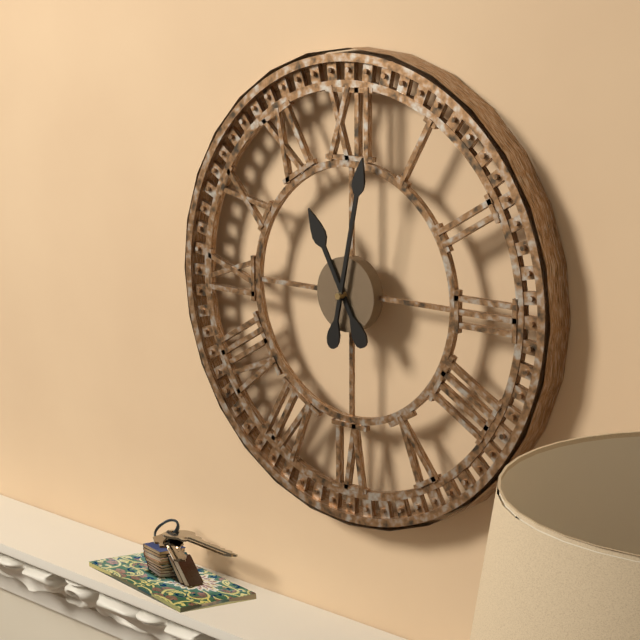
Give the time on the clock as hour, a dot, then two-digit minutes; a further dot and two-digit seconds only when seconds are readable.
11.02
